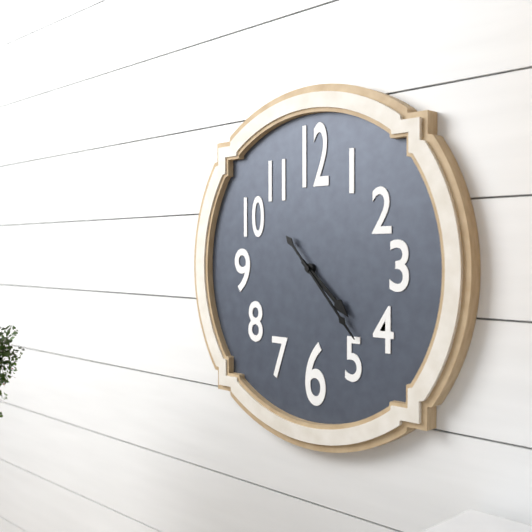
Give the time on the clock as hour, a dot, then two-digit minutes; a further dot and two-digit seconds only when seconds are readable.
4.23
